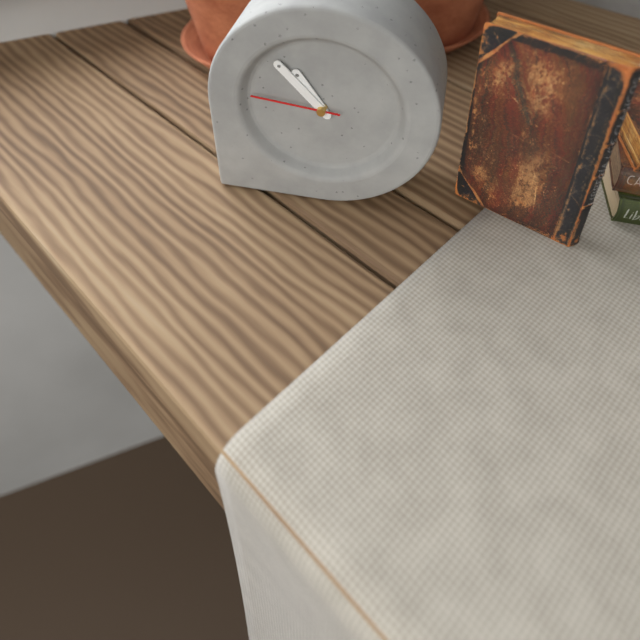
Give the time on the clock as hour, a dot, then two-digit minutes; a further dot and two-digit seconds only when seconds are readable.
10.53.46
